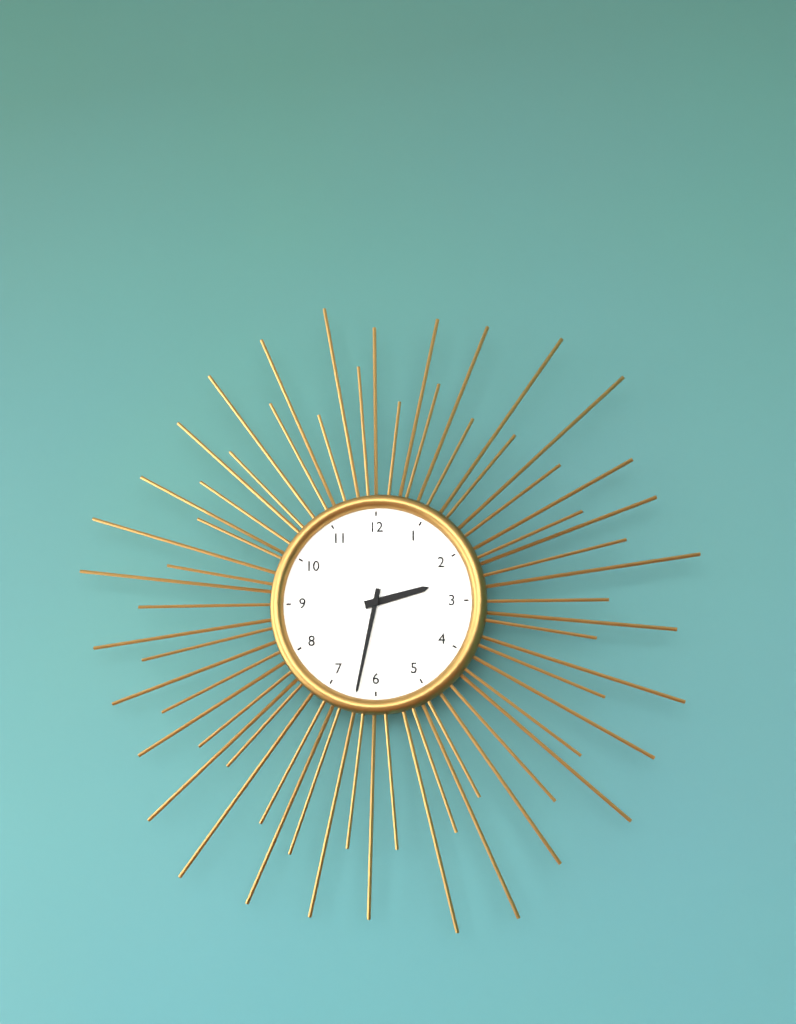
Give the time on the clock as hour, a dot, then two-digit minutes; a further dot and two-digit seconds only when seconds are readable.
2.32
